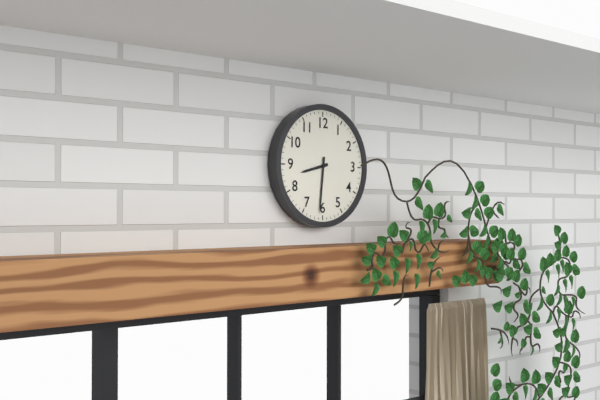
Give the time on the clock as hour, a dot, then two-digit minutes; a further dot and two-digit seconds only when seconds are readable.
8.31
